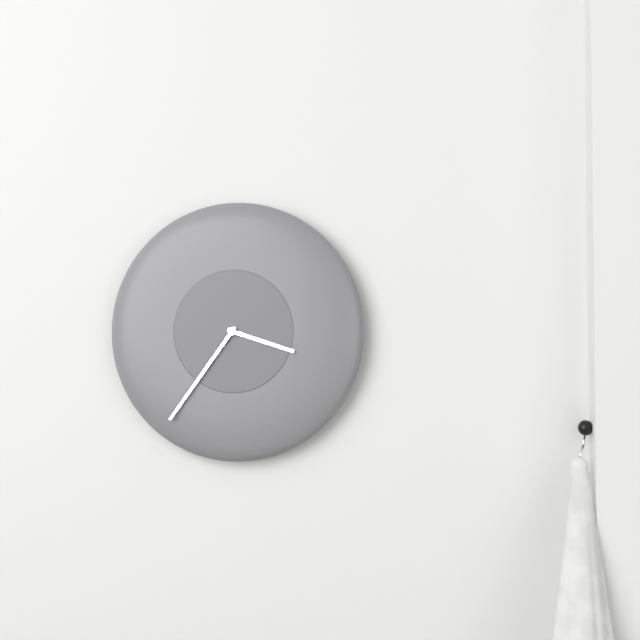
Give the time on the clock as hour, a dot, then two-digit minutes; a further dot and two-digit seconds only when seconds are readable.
3.36
